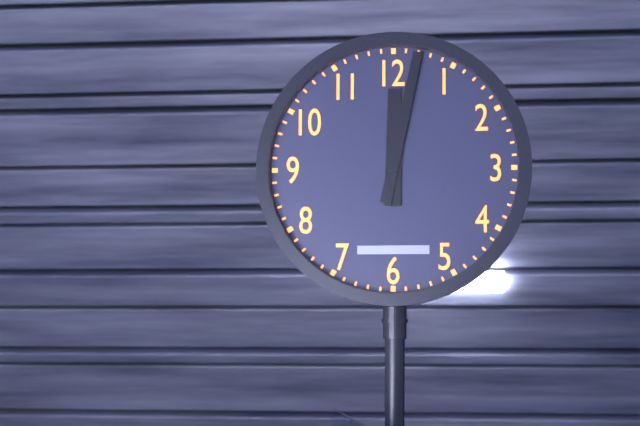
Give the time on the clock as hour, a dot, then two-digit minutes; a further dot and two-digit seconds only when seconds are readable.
12.02
